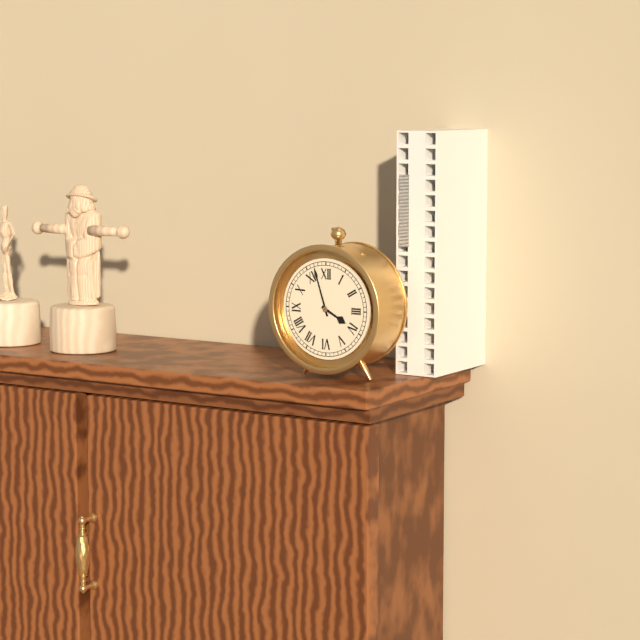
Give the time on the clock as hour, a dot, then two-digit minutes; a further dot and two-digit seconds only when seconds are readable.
3.57
